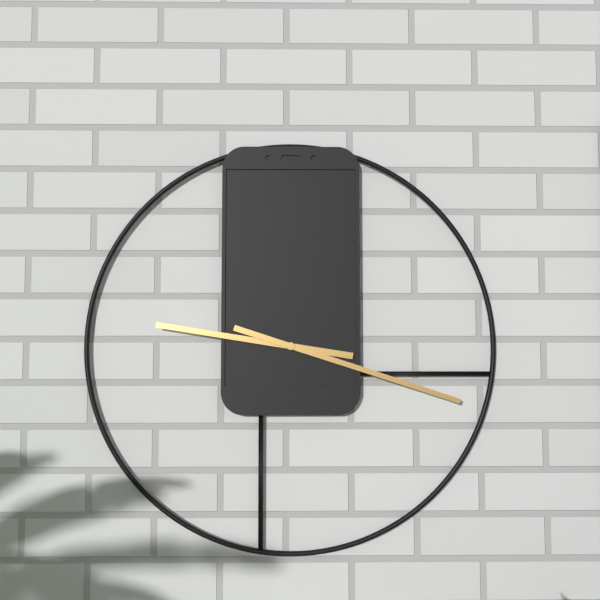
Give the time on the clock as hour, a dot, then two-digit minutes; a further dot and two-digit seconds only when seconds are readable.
9.18
